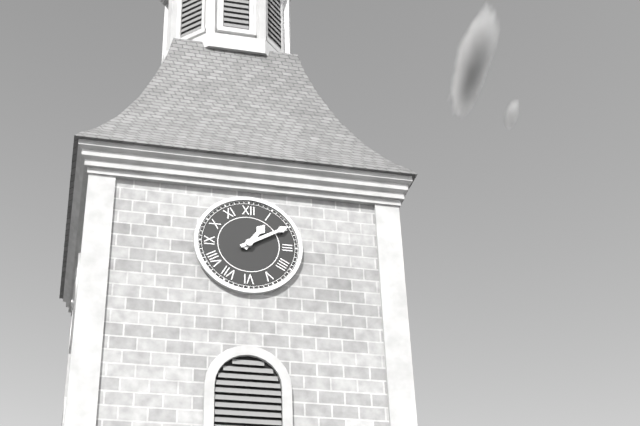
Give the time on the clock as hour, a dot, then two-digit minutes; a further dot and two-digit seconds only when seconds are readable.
1.10
